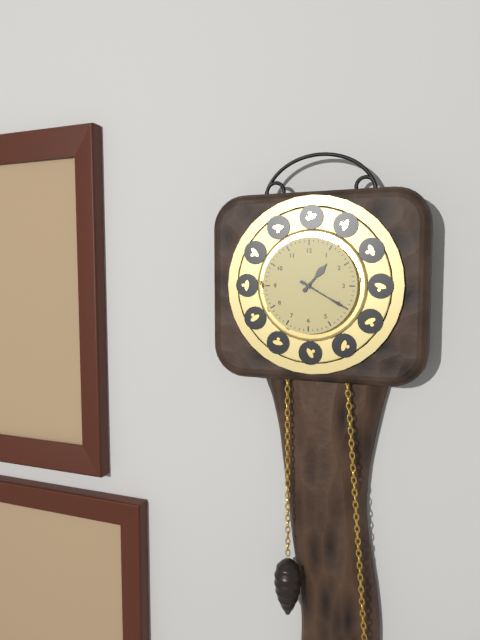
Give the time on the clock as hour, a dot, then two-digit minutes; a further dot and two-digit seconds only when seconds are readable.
1.20
